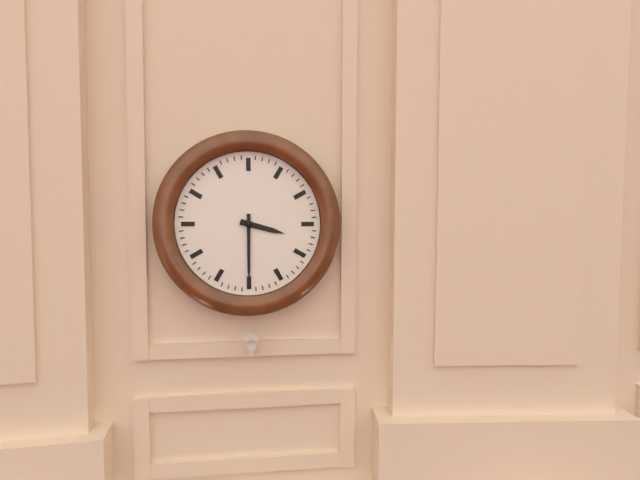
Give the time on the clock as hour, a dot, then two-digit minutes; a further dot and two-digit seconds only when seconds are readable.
3.30
